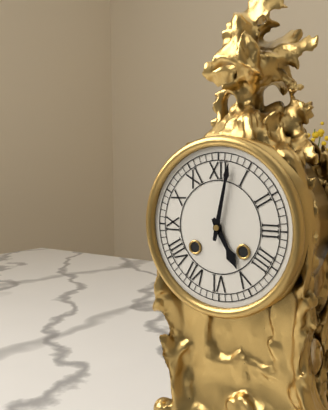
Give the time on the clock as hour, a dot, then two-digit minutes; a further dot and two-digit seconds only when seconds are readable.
5.02
